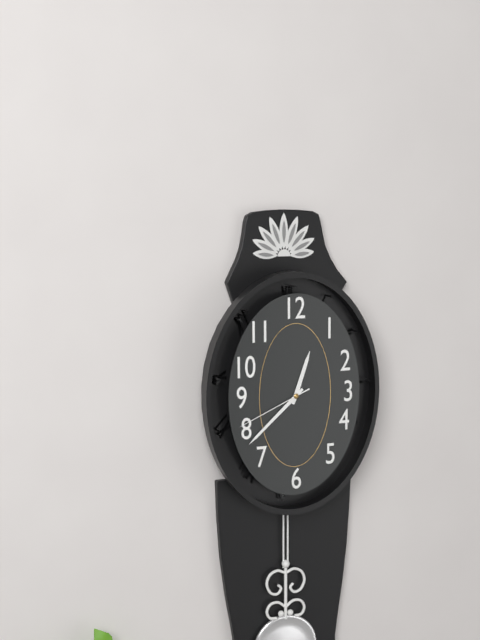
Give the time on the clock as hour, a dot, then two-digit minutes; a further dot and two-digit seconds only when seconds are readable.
12.38.41
